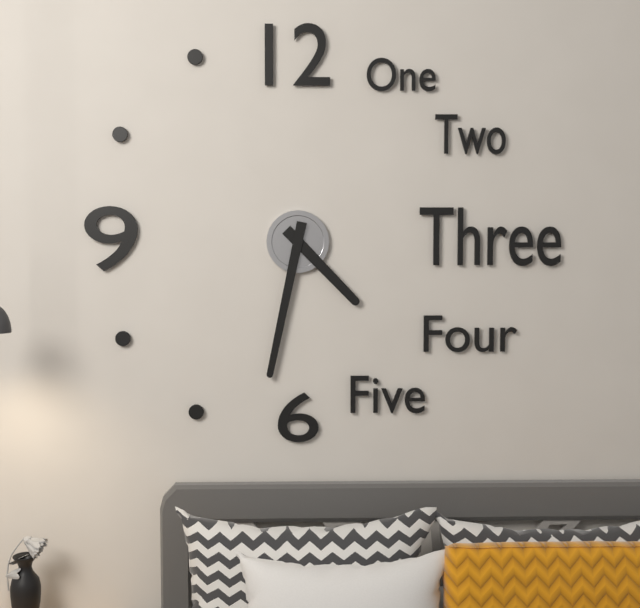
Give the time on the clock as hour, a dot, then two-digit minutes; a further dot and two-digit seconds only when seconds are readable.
4.32
